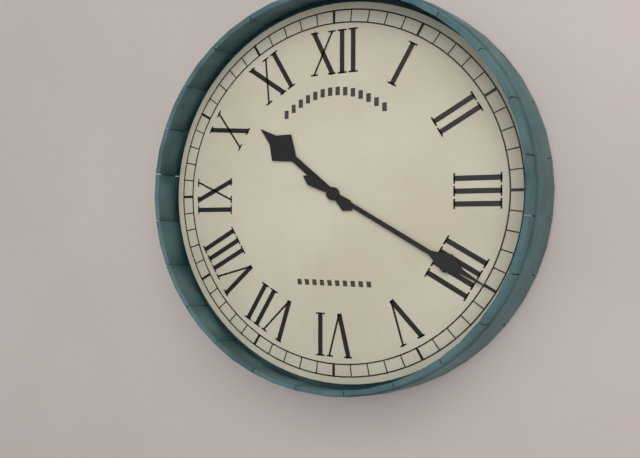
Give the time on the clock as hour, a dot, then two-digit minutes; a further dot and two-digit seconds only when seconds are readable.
10.20
